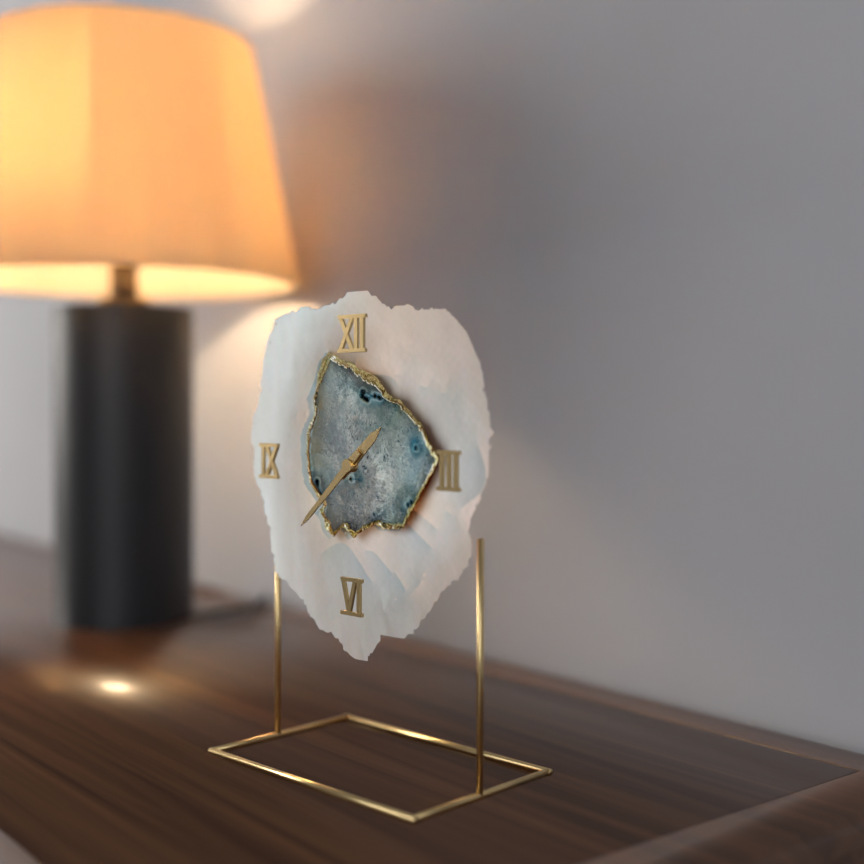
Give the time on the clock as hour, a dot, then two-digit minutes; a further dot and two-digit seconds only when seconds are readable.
1.38
